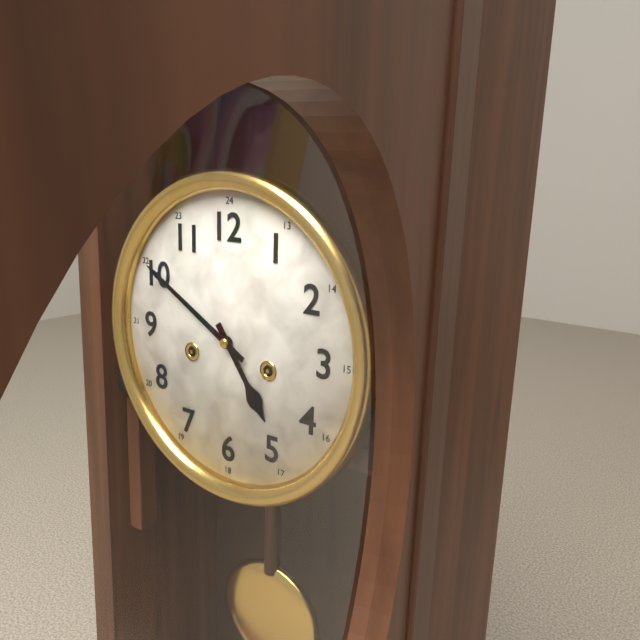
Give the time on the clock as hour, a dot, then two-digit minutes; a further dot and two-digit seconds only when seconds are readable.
4.50
